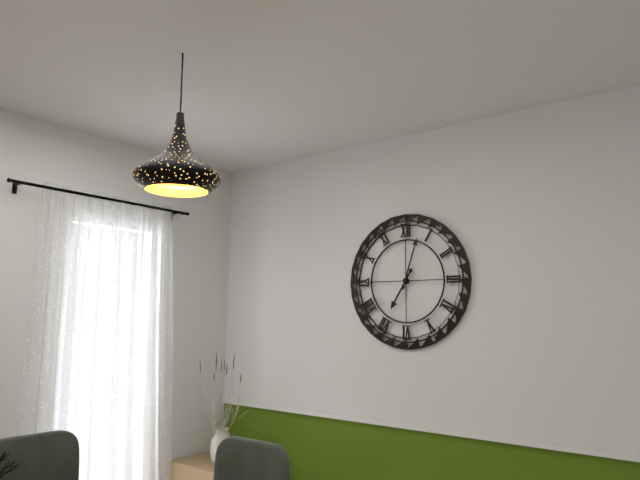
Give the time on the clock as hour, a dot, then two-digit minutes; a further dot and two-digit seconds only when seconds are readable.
7.03
